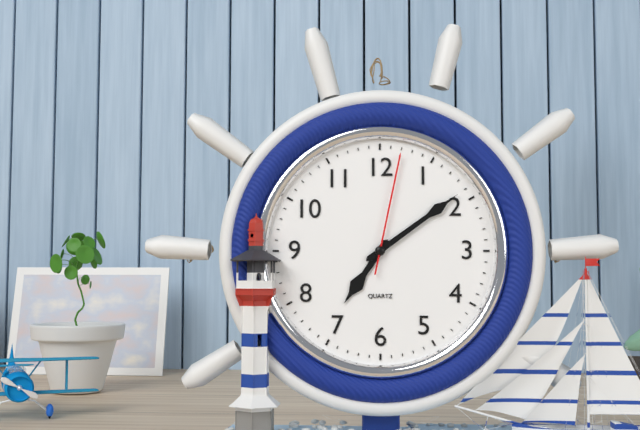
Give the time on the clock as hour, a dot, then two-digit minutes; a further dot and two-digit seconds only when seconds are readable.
7.09.02
